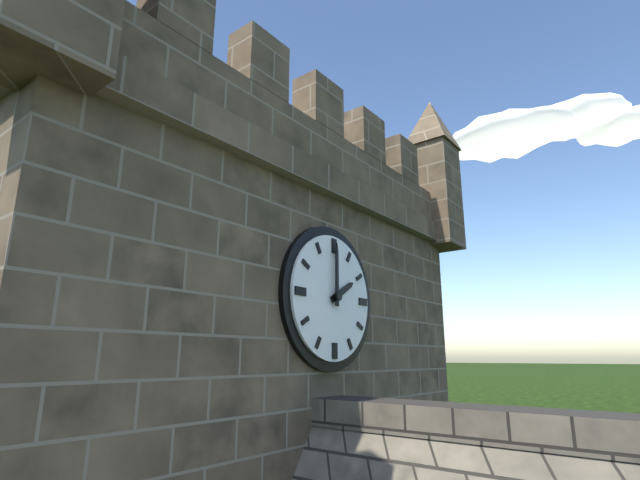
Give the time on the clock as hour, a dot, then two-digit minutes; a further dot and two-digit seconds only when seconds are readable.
2.00
